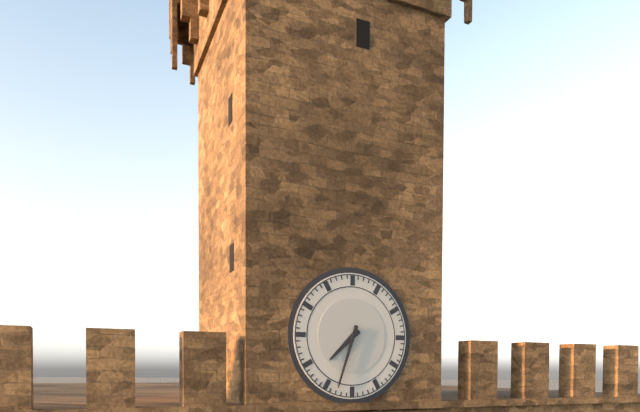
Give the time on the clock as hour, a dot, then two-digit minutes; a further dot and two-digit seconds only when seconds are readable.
7.33
